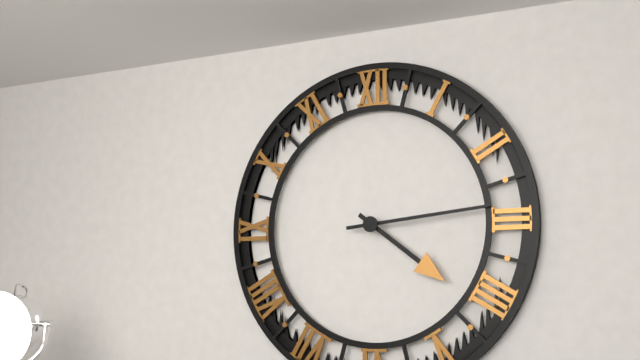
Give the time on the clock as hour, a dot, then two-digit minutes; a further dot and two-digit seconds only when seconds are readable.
4.14
